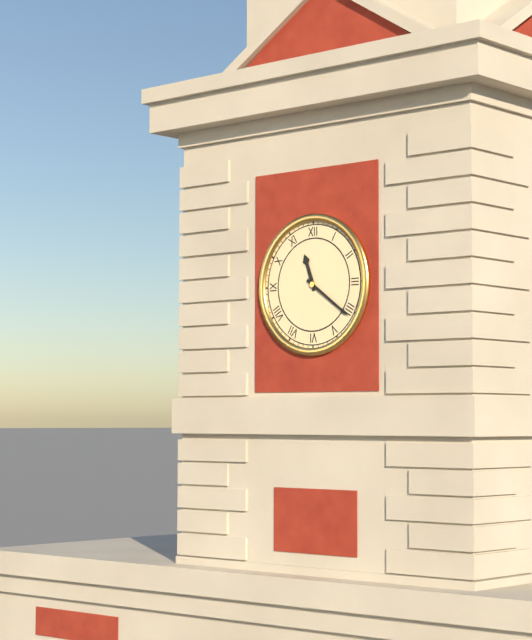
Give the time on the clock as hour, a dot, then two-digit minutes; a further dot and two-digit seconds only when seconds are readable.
11.21
